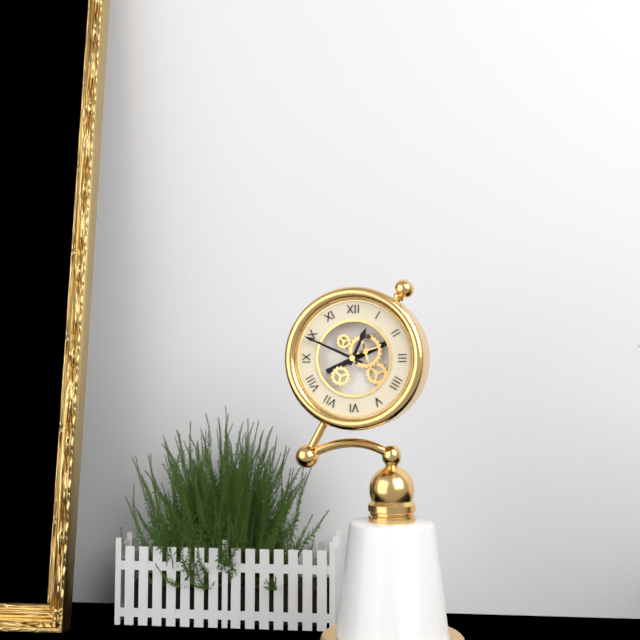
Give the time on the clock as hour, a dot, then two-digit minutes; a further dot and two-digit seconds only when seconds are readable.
12.49
